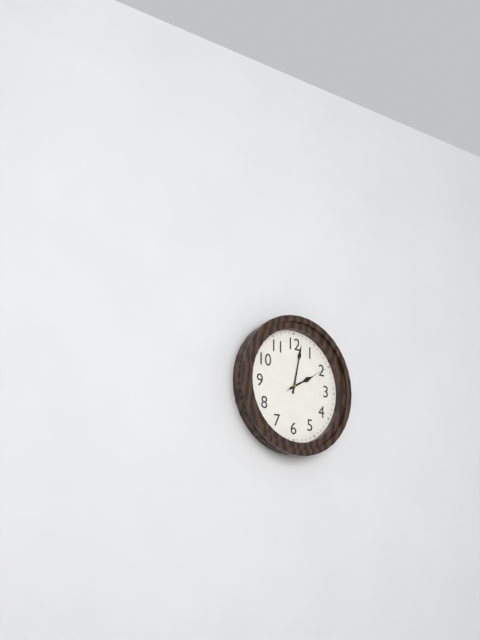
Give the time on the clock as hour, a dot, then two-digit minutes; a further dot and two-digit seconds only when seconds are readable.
2.02
